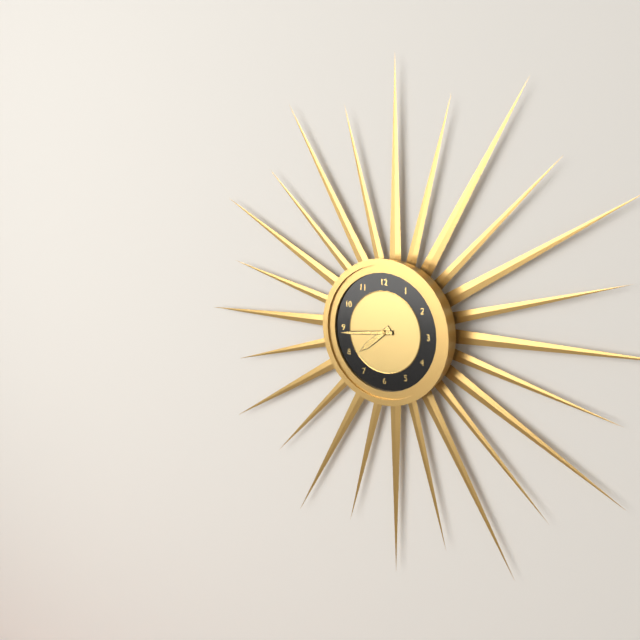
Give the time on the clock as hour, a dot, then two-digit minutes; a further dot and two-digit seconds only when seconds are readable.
7.44
